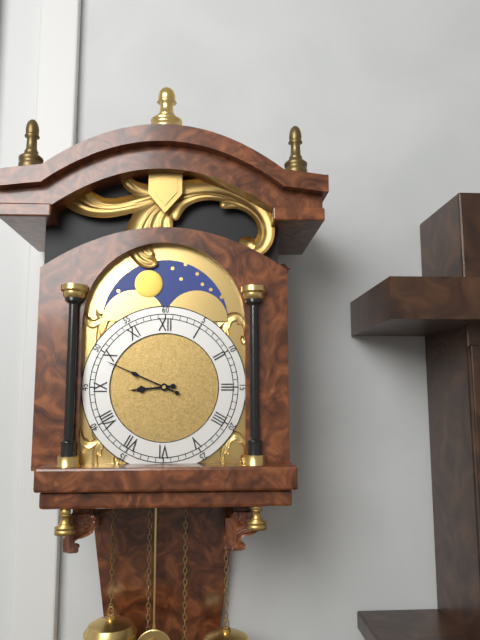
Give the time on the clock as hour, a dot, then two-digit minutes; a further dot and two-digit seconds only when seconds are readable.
8.49
